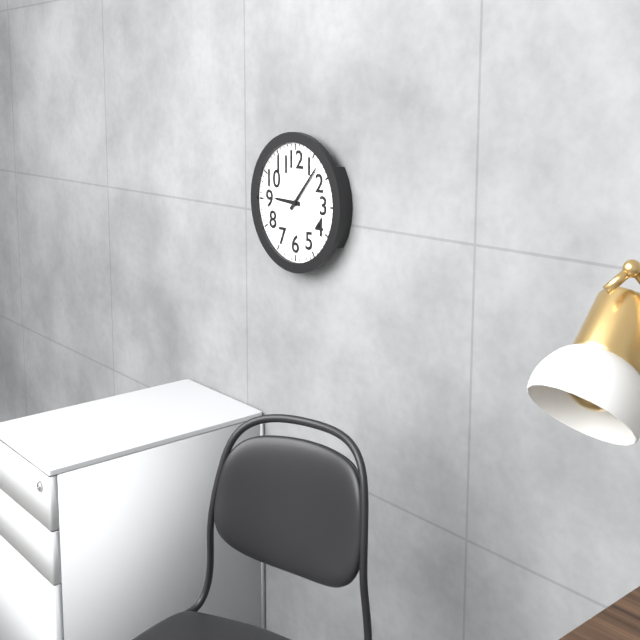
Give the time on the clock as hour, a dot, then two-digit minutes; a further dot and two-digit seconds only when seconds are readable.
9.07
